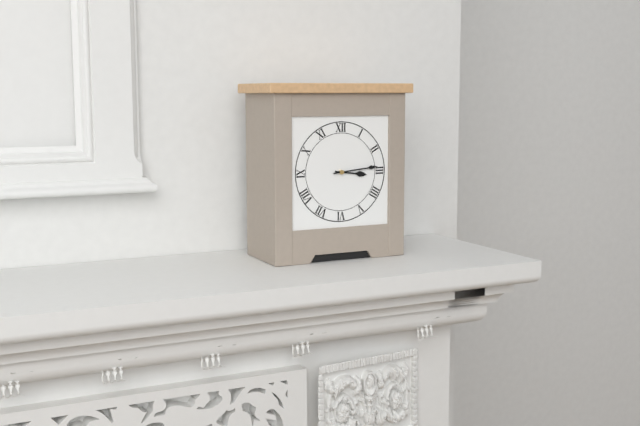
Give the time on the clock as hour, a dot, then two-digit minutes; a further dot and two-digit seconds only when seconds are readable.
3.14
